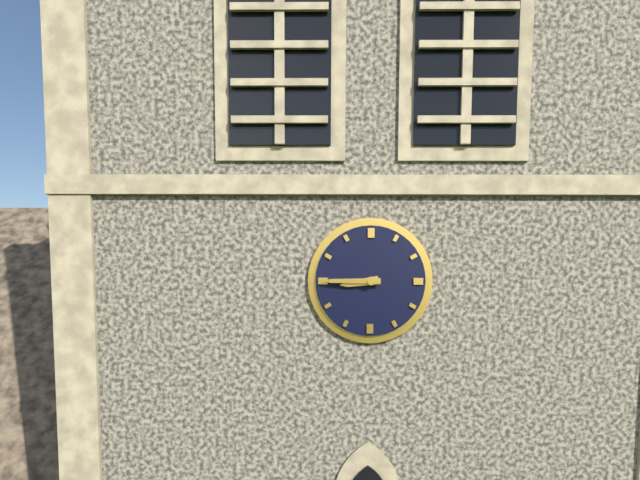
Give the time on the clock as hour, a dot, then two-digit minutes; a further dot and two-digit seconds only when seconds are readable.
8.45
